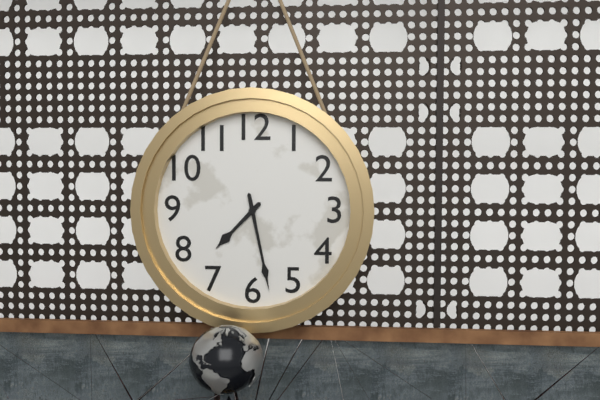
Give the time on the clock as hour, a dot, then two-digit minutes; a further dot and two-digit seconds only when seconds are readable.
7.28
